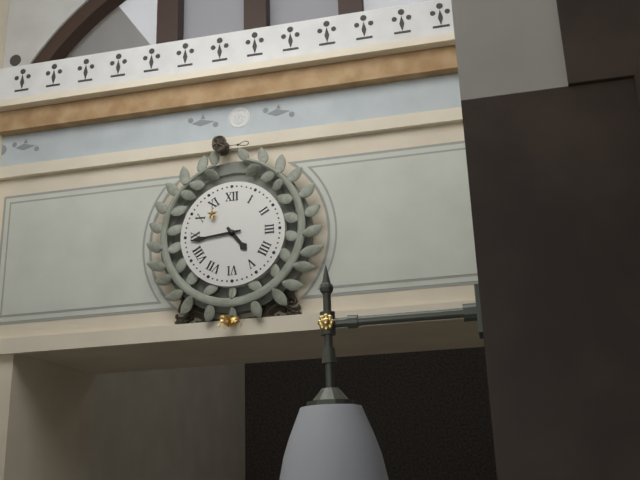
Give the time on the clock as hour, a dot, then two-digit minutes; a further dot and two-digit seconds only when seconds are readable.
4.44
